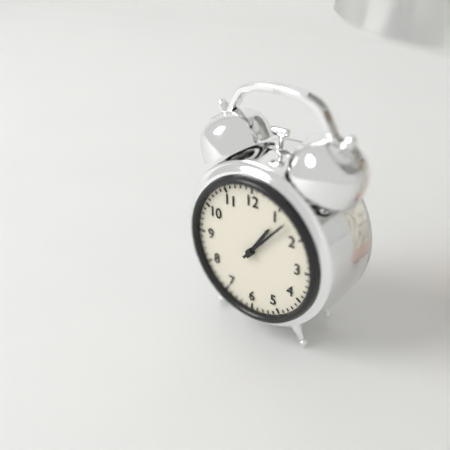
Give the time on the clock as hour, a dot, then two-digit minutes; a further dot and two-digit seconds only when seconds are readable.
1.07
